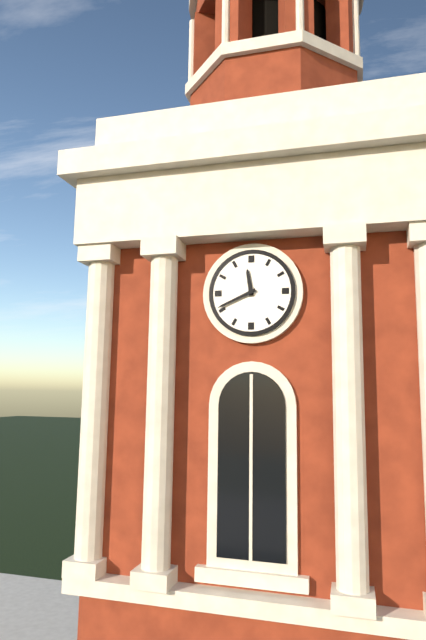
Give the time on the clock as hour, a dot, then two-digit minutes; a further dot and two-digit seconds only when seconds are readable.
11.41
